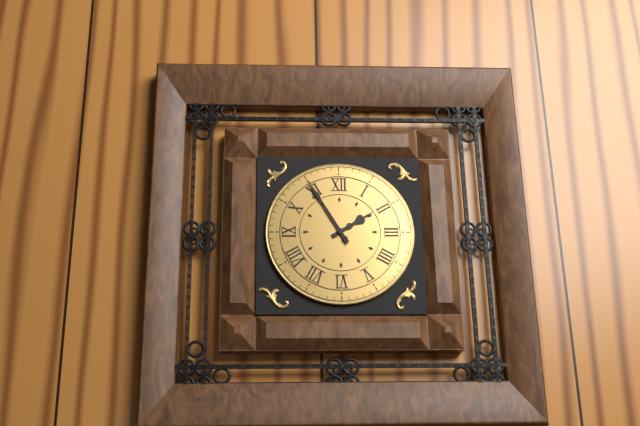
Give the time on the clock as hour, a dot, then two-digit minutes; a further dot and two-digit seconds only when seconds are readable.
1.55
